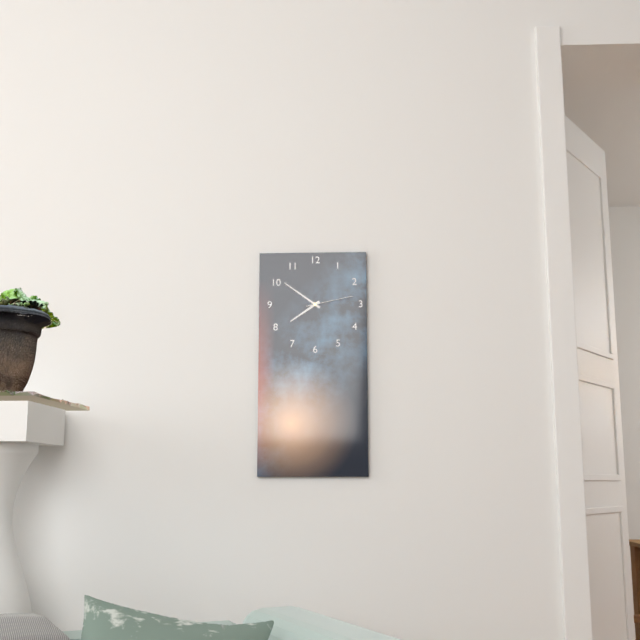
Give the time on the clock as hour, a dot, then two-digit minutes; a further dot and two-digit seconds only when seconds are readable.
7.51
